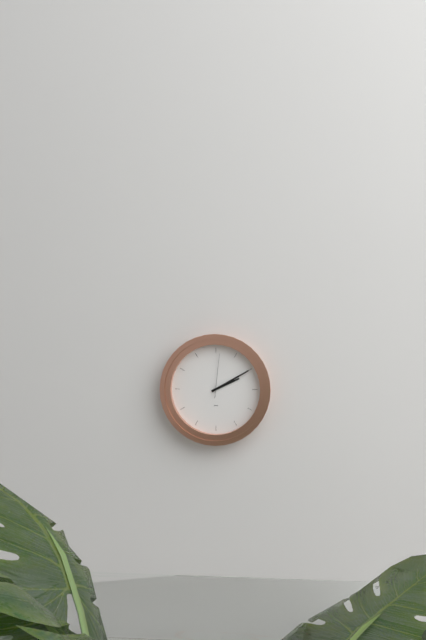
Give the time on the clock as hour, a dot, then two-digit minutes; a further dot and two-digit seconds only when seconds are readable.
2.10
